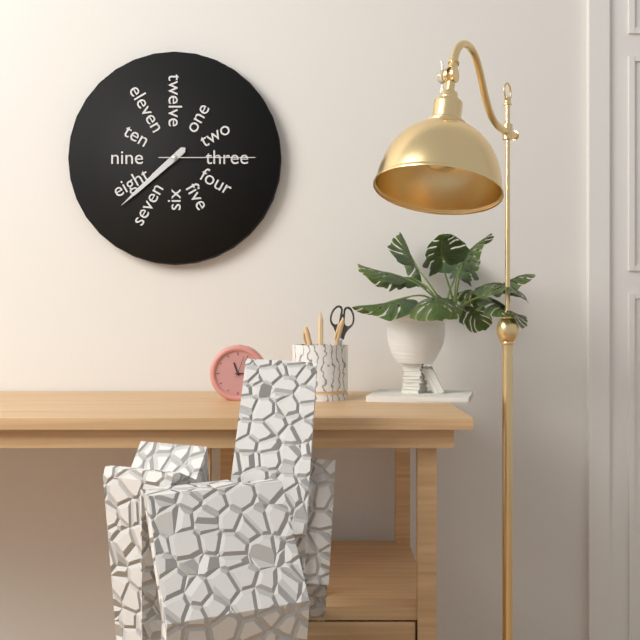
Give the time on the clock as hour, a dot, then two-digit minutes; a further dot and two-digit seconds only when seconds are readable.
7.38.15
